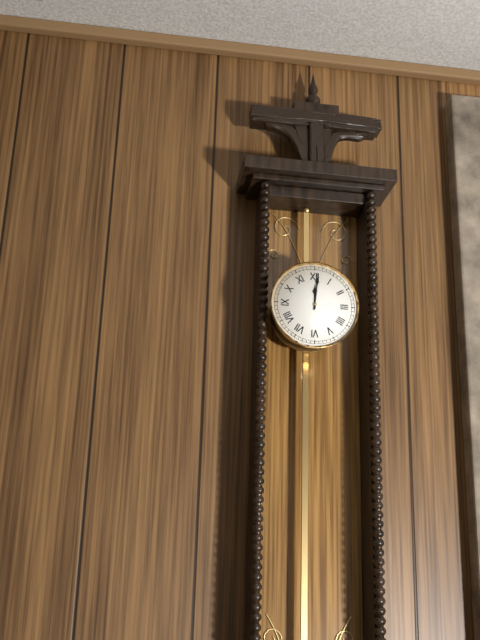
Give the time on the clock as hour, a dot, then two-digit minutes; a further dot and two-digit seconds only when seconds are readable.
12.01
